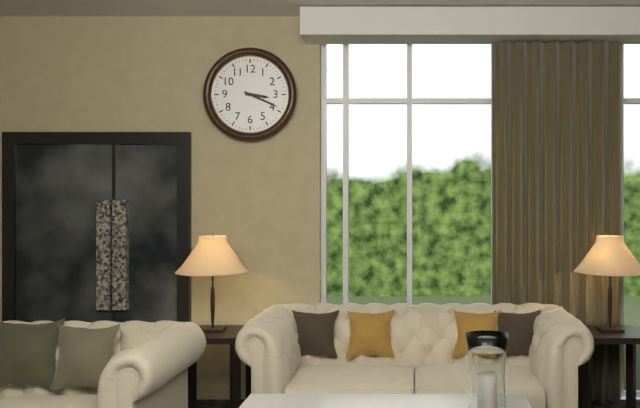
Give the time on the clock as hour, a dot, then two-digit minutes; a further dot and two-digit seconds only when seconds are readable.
3.19
